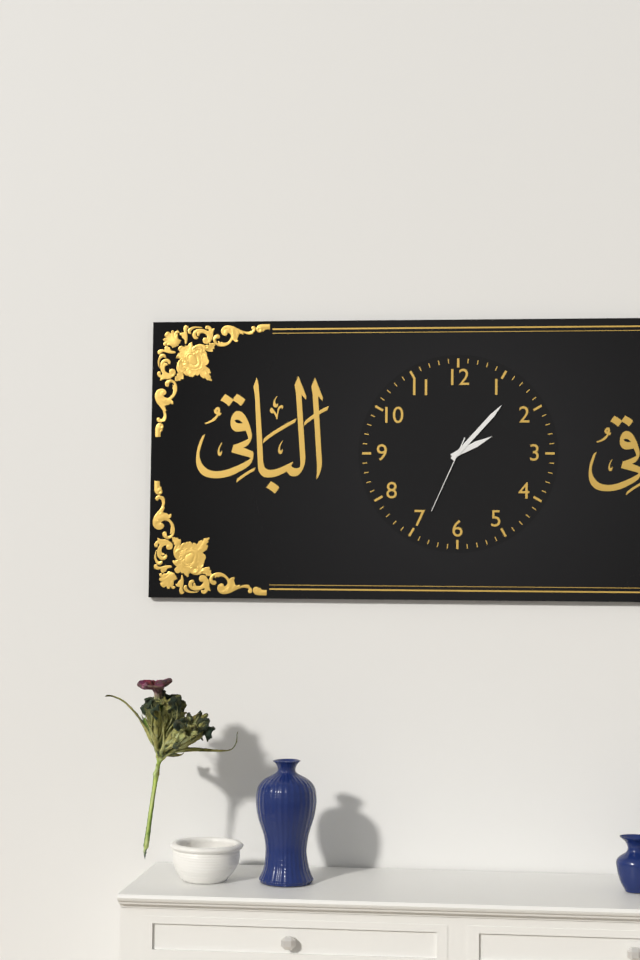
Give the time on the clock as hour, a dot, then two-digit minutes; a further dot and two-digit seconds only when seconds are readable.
2.07.34
